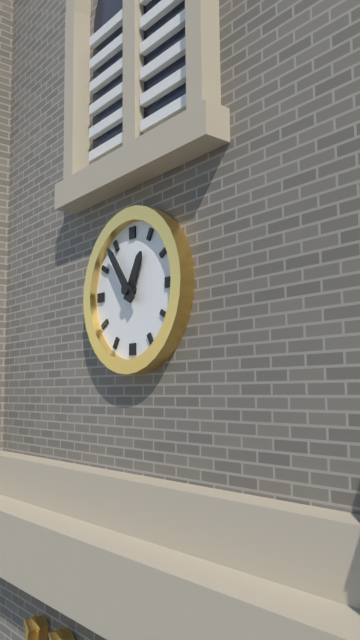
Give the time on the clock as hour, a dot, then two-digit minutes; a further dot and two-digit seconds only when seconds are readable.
12.54
